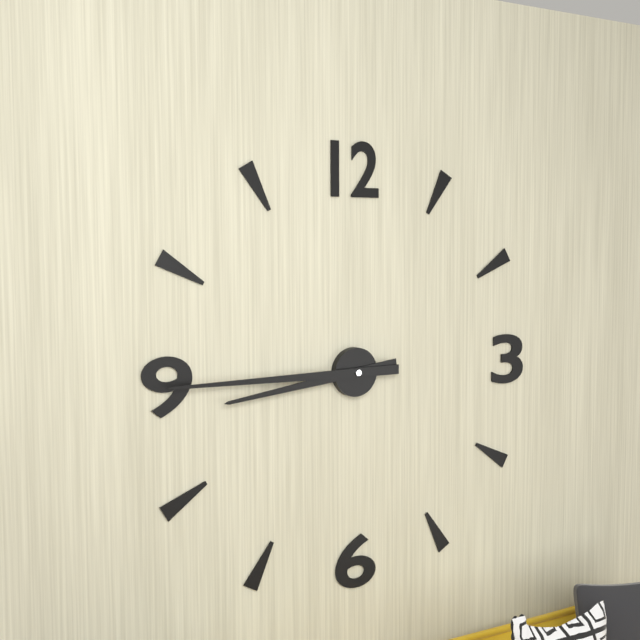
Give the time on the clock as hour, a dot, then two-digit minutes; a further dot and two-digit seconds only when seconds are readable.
8.45
